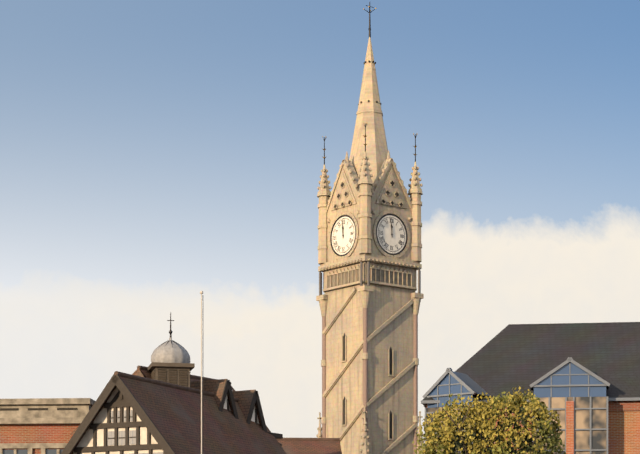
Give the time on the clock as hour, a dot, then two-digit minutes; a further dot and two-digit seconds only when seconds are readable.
11.59
